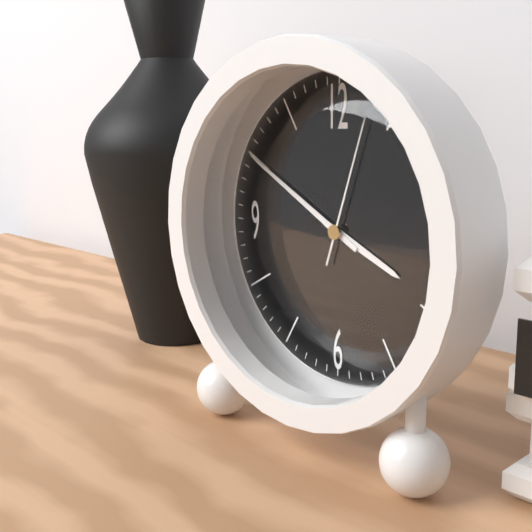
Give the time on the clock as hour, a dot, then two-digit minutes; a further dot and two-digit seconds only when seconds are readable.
3.50.03
